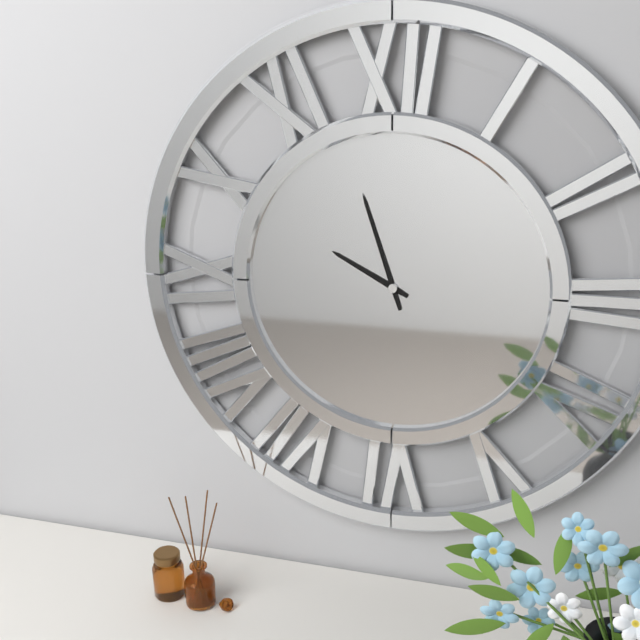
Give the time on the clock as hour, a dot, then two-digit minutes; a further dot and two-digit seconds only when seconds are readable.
9.57
